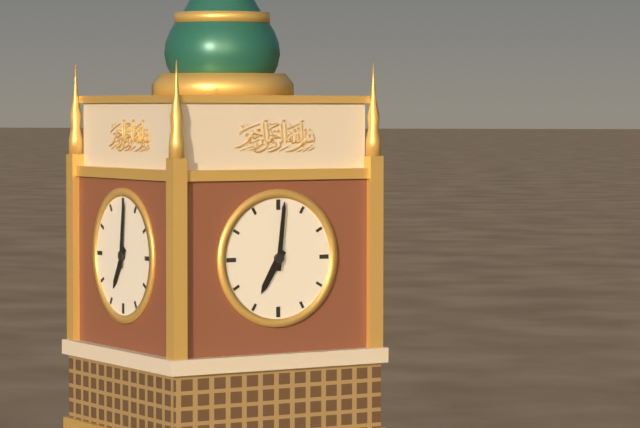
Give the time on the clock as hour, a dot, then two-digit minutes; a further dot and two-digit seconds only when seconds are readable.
7.01
